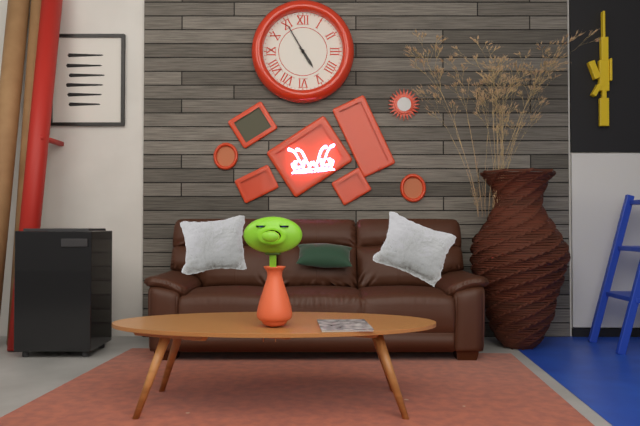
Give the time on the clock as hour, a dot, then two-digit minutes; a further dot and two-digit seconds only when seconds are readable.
4.55
